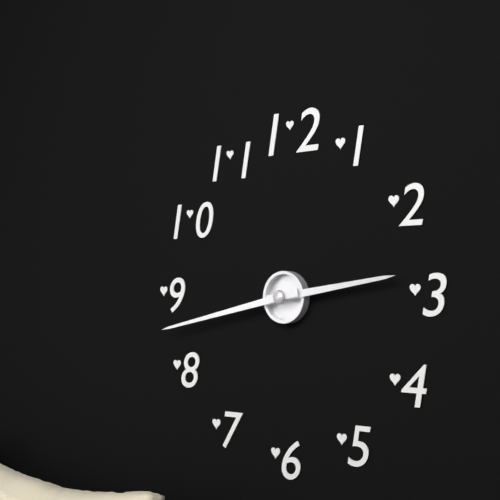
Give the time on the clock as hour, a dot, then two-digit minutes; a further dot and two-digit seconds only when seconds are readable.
2.43
